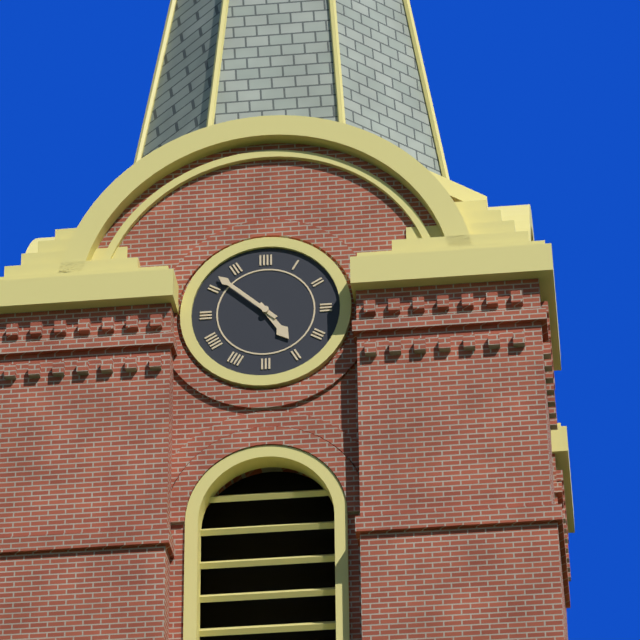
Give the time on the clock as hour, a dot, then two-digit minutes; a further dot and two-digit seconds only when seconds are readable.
4.52
